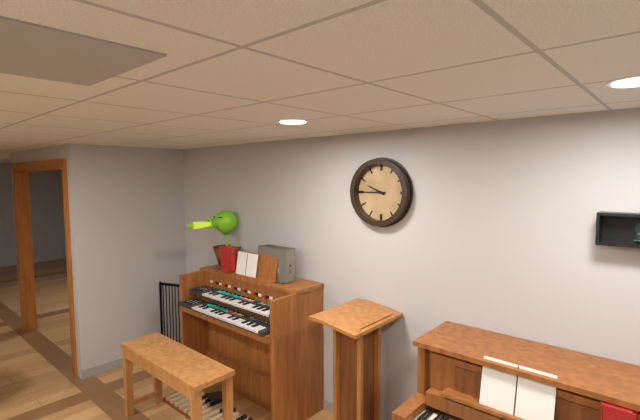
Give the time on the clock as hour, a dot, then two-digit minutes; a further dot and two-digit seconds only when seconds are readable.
9.45
